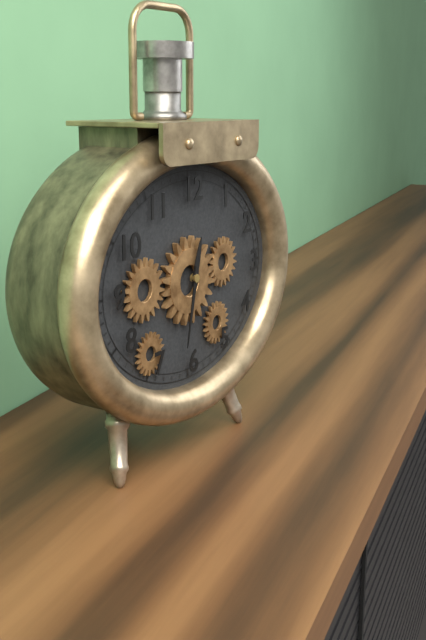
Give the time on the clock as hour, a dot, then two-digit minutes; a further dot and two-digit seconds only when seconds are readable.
12.32
